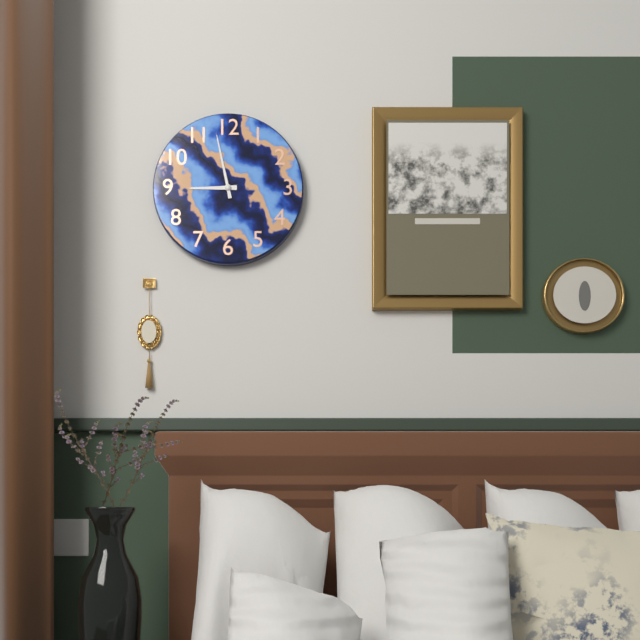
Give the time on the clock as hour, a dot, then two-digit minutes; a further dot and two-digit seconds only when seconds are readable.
8.58
